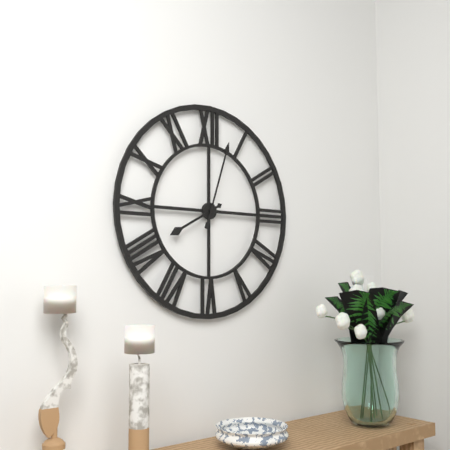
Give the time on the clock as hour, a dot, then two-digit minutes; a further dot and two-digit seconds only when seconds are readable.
8.03
